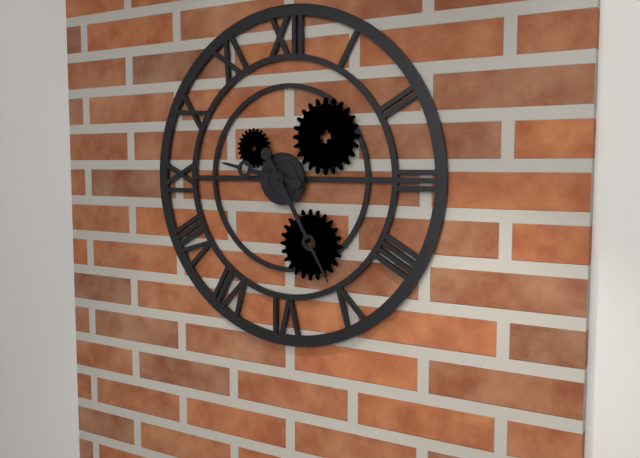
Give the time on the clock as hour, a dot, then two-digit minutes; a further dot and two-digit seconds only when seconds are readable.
9.25
